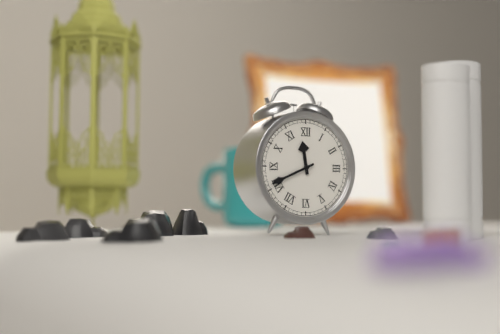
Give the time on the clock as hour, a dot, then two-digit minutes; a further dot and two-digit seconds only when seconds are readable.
11.41
